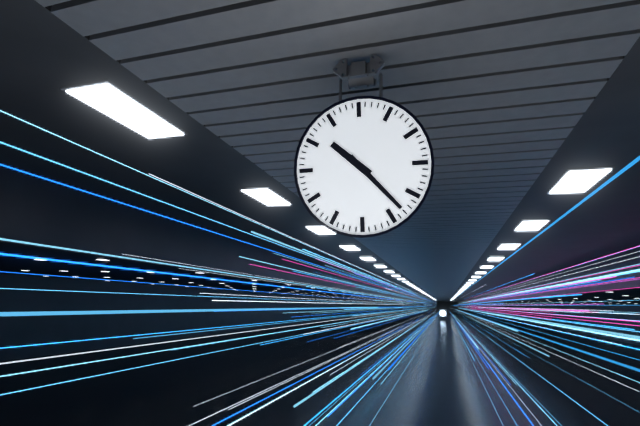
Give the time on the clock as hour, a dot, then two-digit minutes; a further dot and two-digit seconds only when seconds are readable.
10.23
